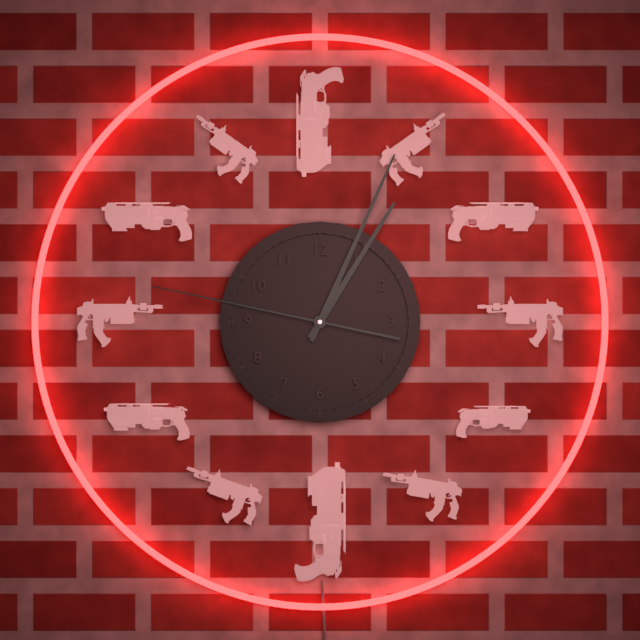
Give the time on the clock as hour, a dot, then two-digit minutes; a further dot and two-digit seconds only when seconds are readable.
1.04.47
